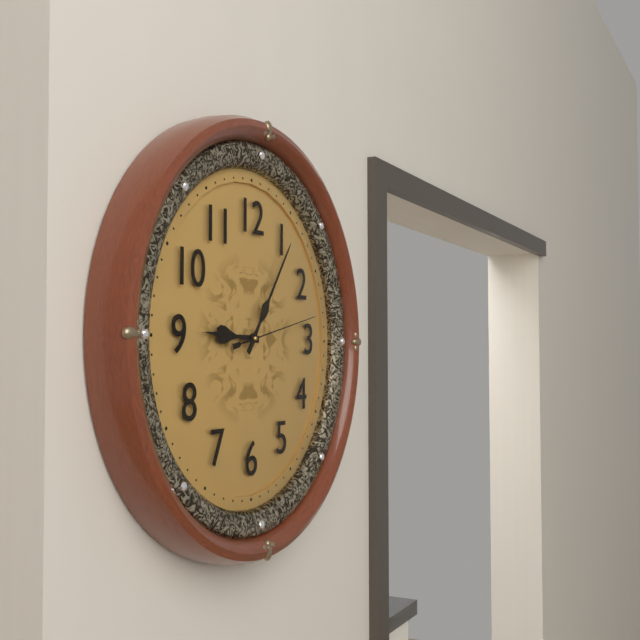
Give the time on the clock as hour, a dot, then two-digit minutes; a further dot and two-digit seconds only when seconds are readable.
9.06.13
